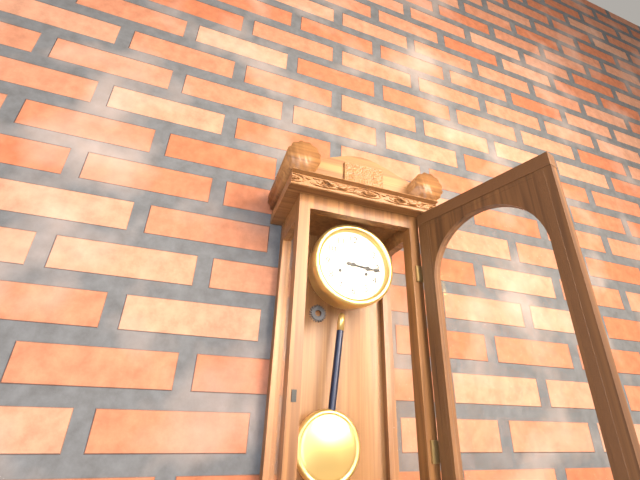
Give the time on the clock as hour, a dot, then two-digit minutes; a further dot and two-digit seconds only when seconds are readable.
3.16
